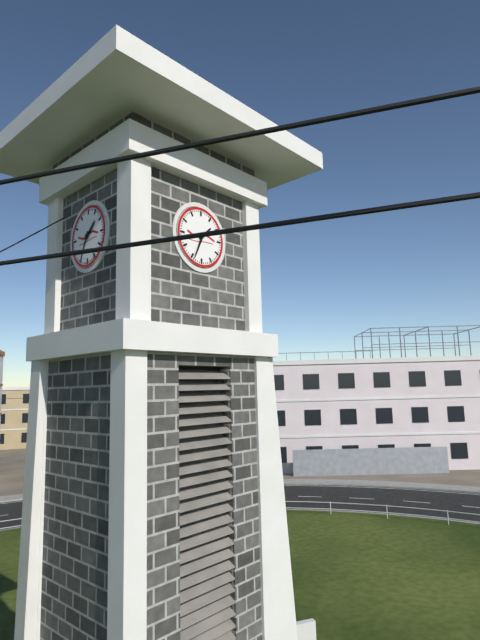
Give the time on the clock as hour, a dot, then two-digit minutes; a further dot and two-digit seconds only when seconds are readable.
1.34
